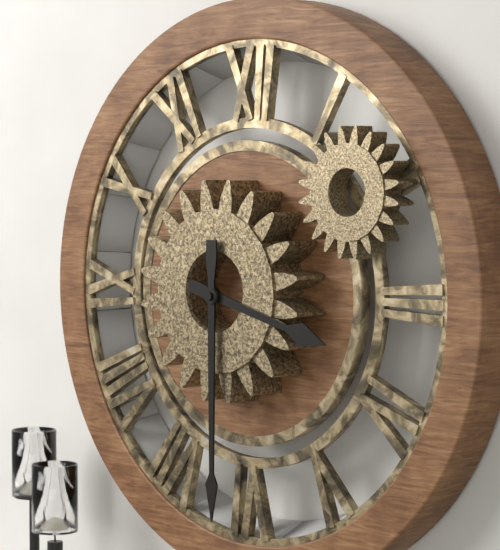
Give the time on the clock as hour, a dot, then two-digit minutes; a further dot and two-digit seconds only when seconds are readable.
3.30
